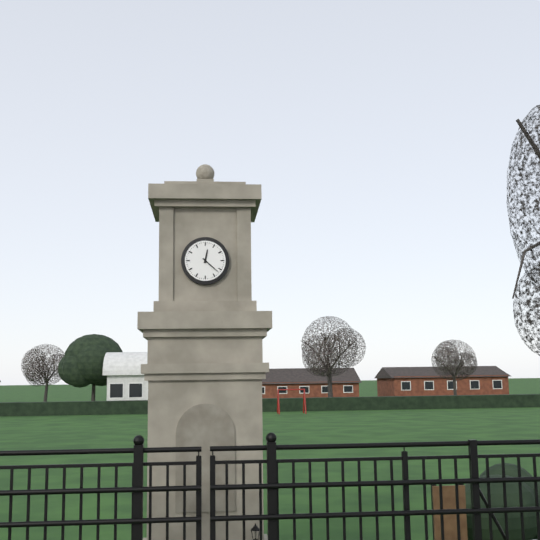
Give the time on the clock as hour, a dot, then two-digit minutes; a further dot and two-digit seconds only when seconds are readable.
12.22
